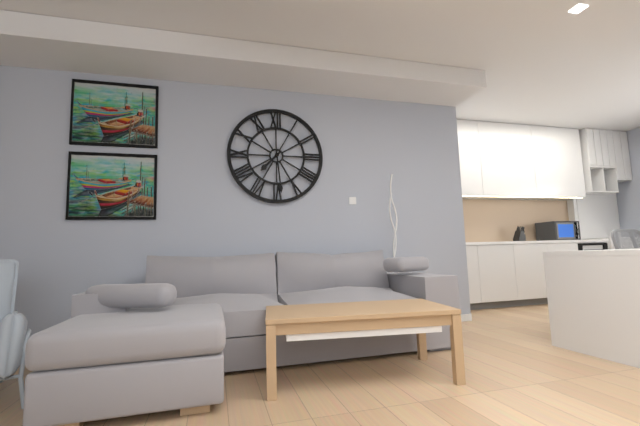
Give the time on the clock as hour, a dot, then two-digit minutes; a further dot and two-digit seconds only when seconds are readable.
7.29
